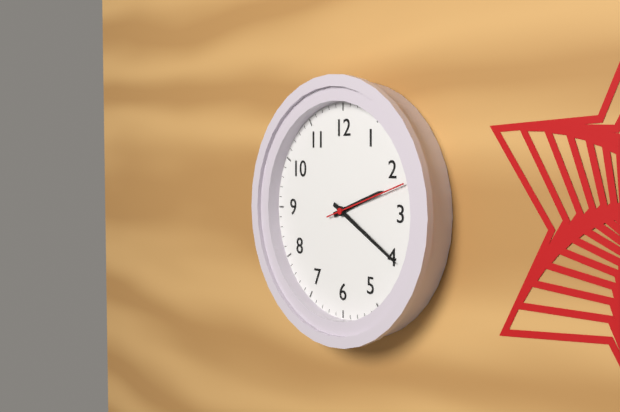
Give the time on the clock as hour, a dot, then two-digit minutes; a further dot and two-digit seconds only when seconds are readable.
2.20.12
